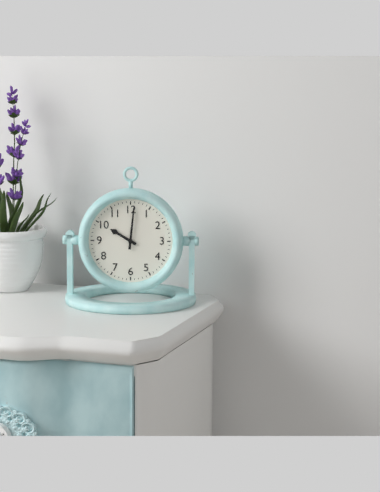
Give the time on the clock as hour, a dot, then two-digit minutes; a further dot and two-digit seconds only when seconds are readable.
10.01
